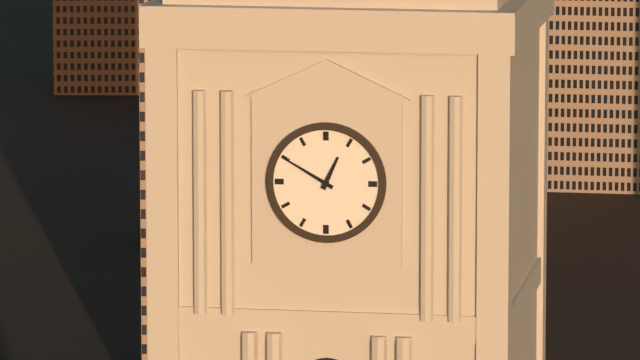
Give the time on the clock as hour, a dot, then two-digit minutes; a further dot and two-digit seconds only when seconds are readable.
12.50
